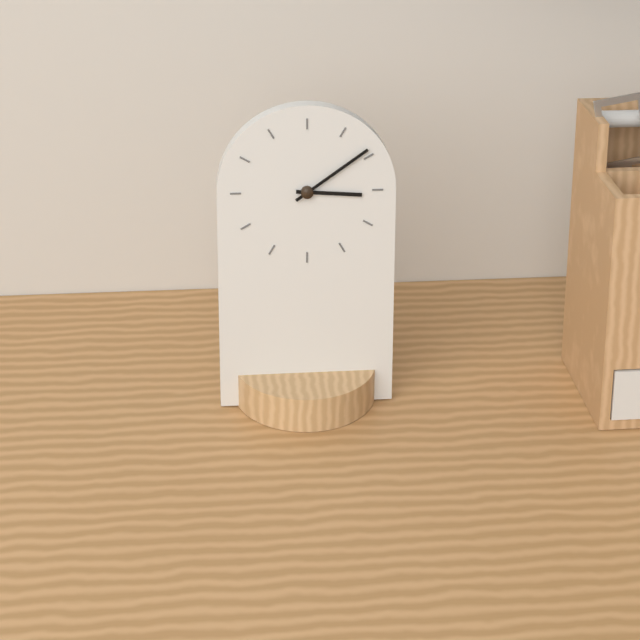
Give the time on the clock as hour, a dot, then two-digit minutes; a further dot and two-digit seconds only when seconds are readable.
3.09
